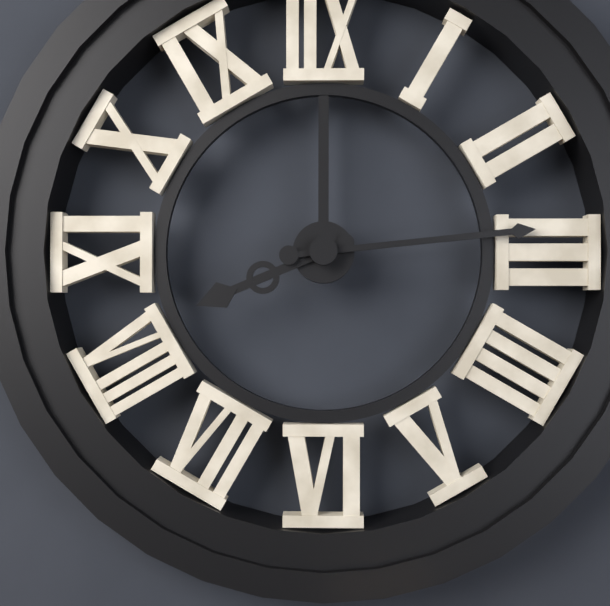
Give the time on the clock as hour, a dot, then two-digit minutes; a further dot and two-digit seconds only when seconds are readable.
8.14
